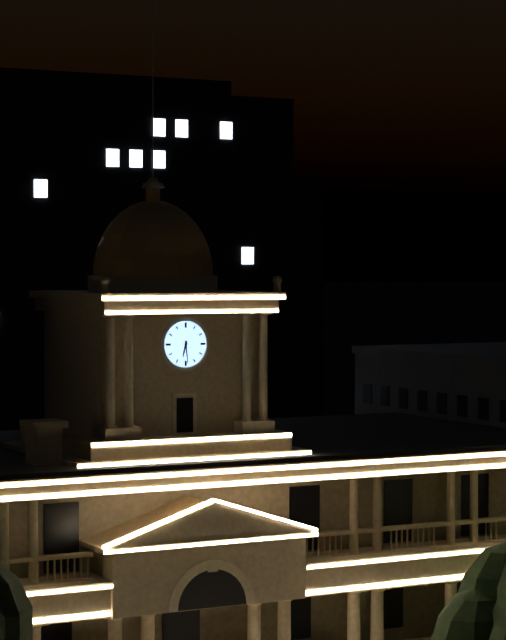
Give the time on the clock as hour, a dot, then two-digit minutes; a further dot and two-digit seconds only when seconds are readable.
6.29
